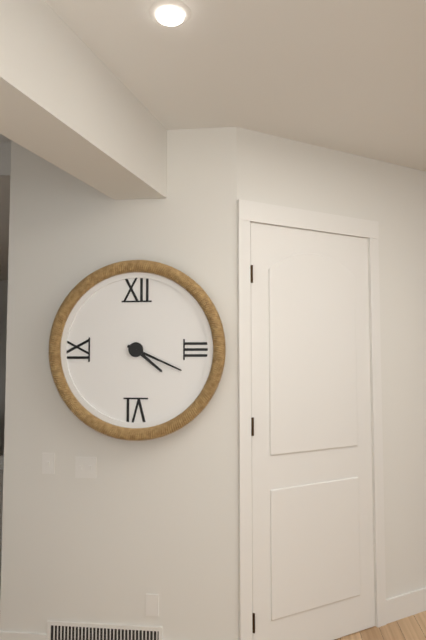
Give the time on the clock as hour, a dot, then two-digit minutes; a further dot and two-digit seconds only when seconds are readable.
4.19
